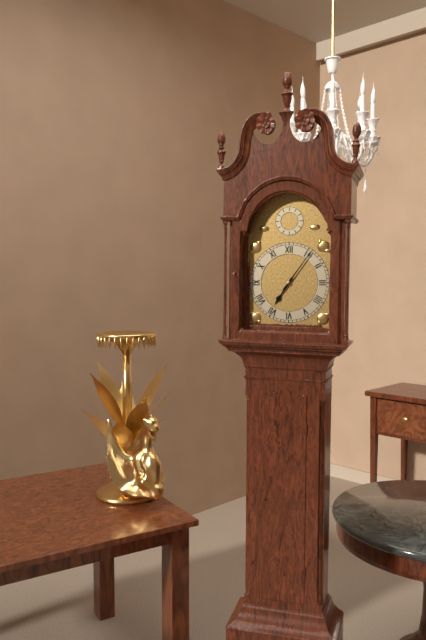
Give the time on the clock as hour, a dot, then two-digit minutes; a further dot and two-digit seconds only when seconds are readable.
7.06
